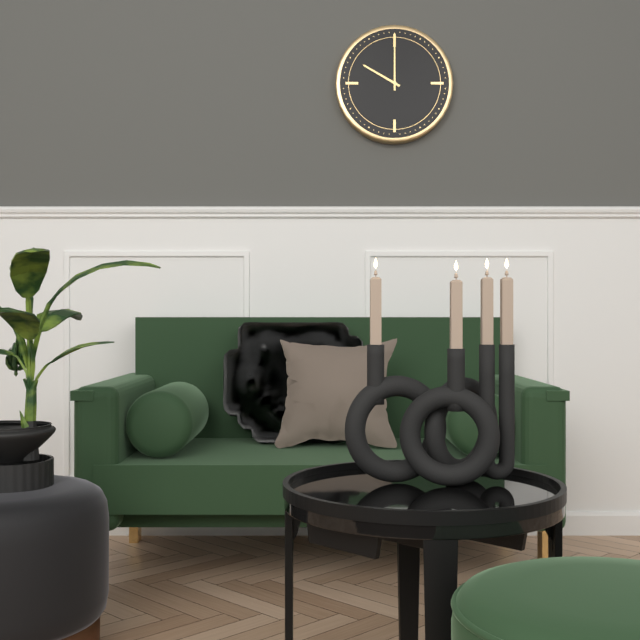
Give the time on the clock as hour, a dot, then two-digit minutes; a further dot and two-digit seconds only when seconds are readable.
10.00
